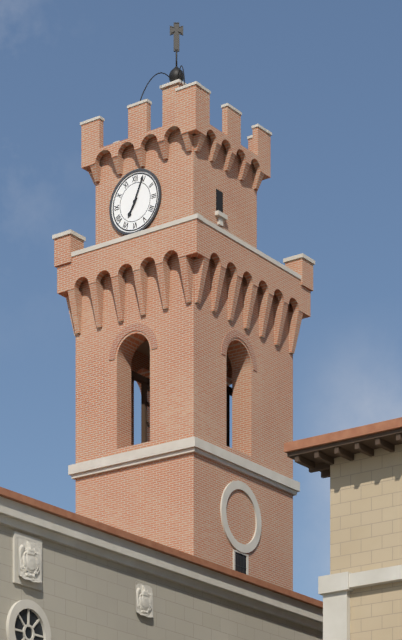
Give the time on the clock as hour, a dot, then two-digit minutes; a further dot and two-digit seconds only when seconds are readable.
7.04
